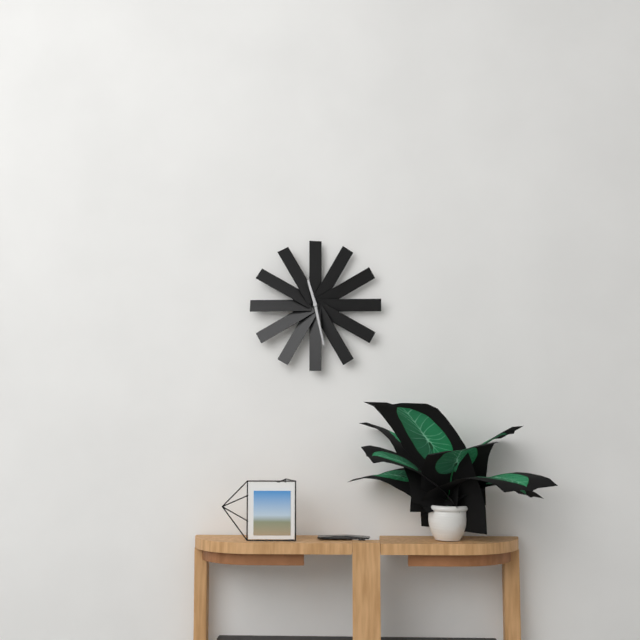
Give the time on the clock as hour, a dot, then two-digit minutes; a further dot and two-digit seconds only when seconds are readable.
11.28
